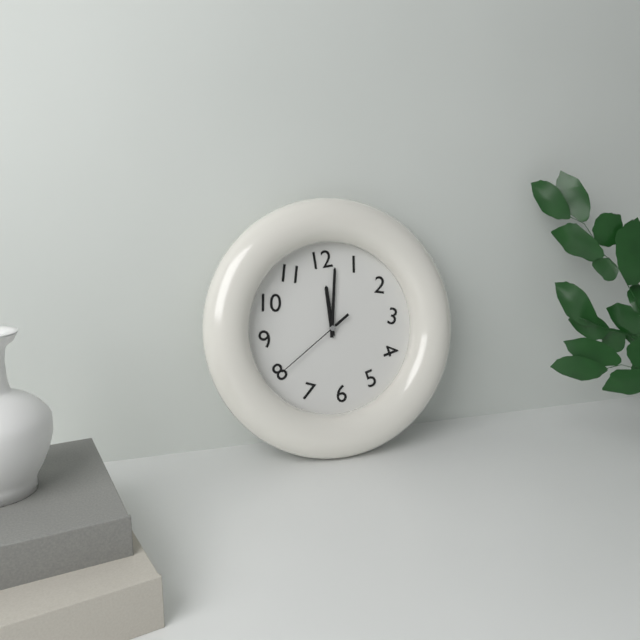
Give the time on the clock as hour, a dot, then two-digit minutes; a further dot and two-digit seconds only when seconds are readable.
12.02.40
